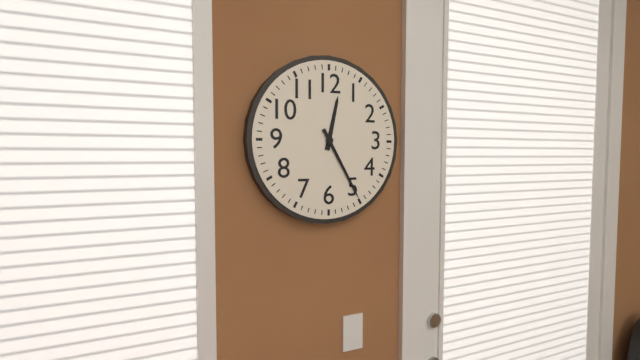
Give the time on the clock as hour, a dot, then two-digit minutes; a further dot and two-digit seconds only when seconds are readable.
12.25
